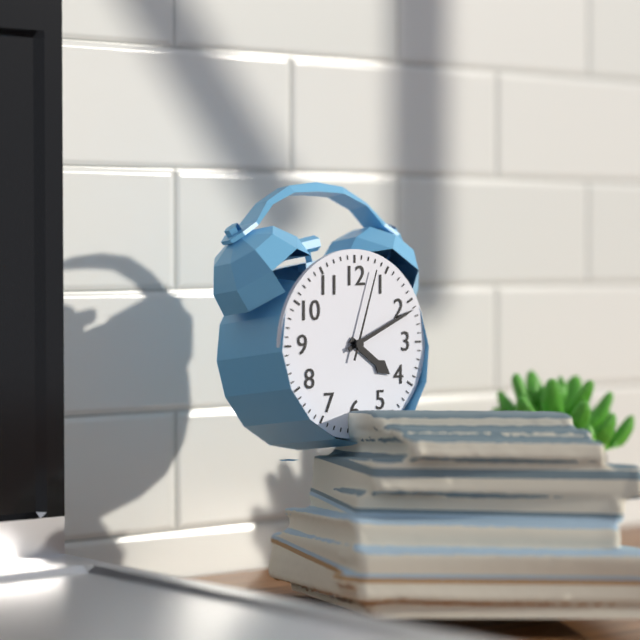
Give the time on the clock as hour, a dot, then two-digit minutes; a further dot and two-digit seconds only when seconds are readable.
4.11.03
